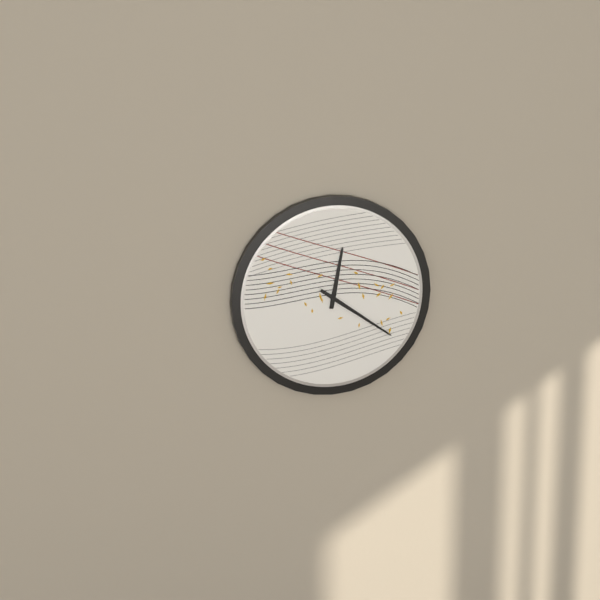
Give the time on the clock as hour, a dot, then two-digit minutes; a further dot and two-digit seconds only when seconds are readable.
12.21
